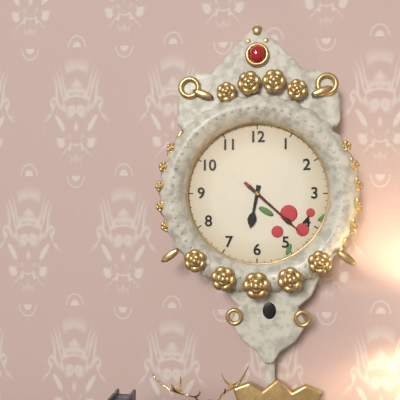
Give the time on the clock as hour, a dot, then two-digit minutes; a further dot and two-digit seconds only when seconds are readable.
6.22.22
